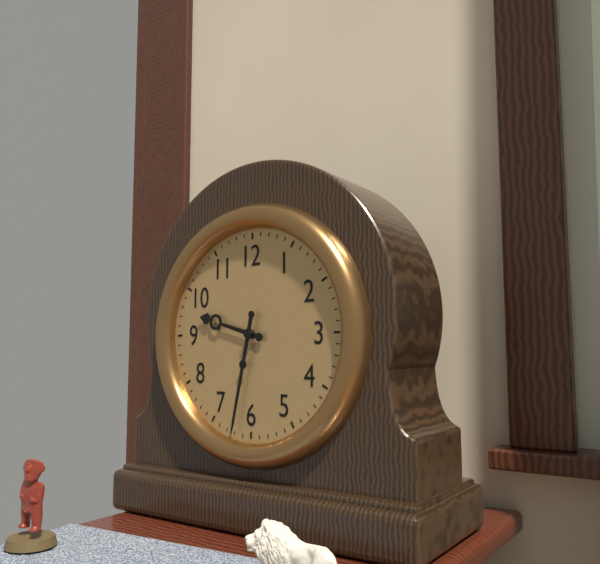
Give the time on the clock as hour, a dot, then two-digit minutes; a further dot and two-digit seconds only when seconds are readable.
9.32
